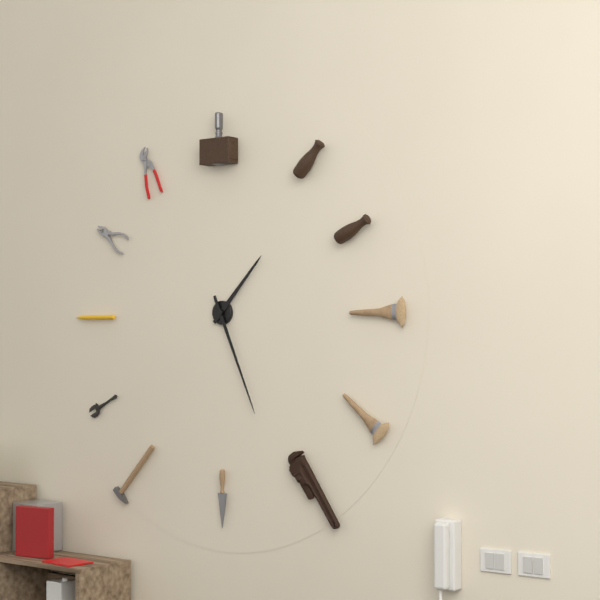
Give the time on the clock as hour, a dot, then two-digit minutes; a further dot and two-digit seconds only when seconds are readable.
1.26
